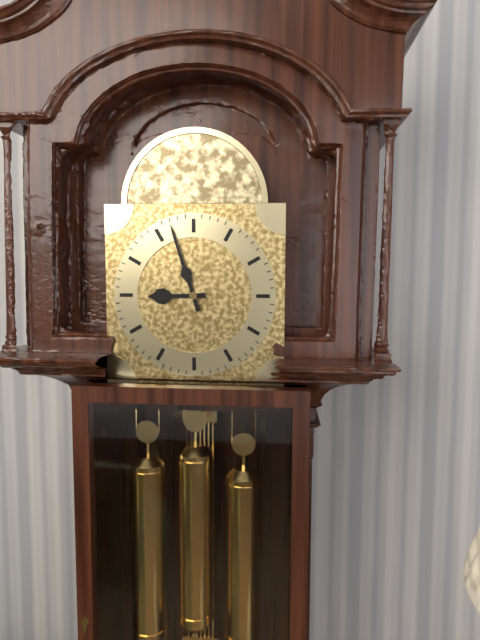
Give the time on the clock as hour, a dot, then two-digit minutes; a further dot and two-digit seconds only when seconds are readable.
8.57
